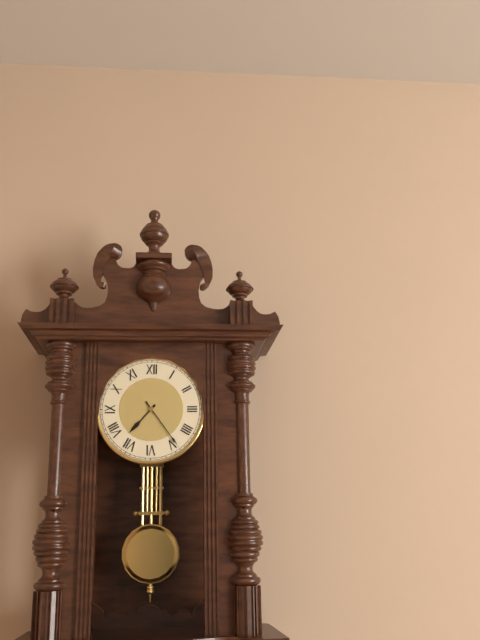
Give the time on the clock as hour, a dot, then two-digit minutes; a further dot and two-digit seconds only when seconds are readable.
7.24
